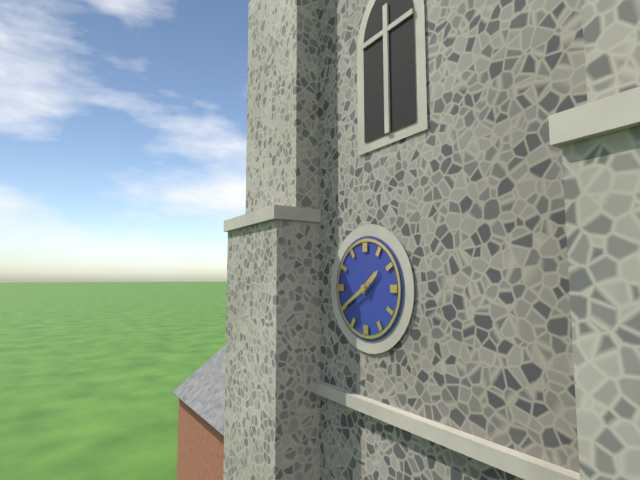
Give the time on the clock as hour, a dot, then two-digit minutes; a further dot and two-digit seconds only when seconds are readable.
1.40
